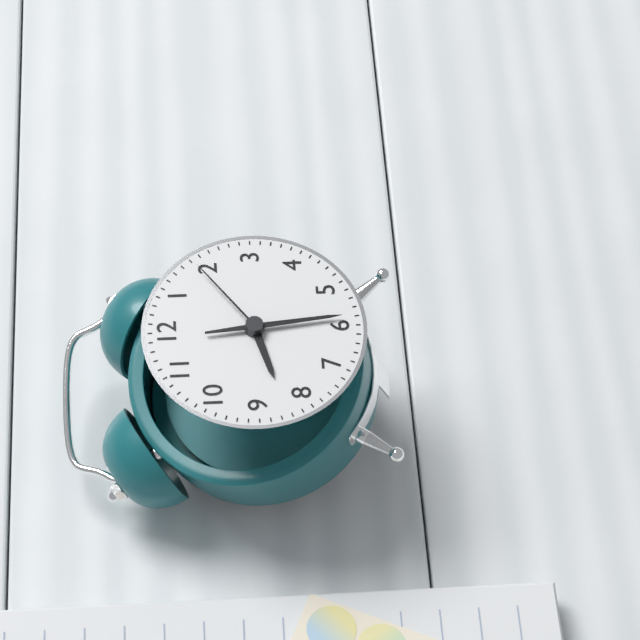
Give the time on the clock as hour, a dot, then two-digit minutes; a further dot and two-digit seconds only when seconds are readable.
8.29.09
